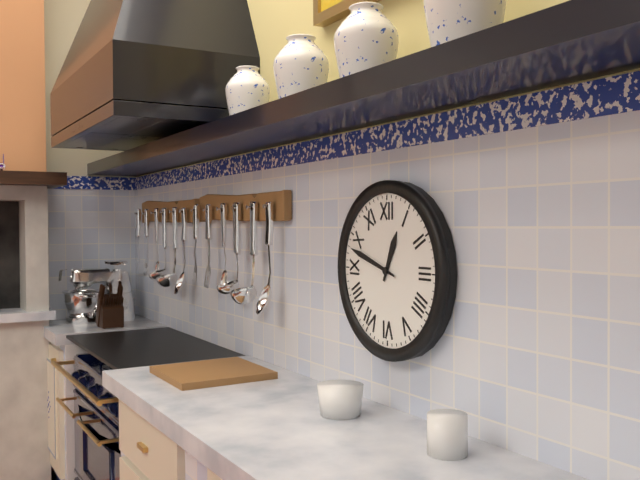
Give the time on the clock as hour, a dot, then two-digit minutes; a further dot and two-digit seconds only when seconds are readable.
12.48
